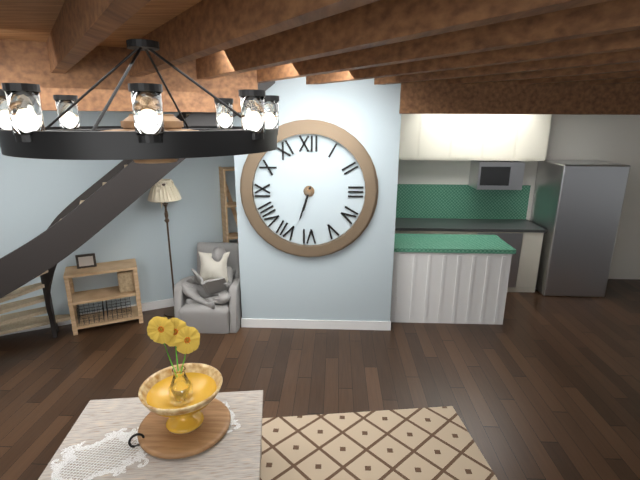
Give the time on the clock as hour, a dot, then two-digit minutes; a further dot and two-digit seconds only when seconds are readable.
6.33
